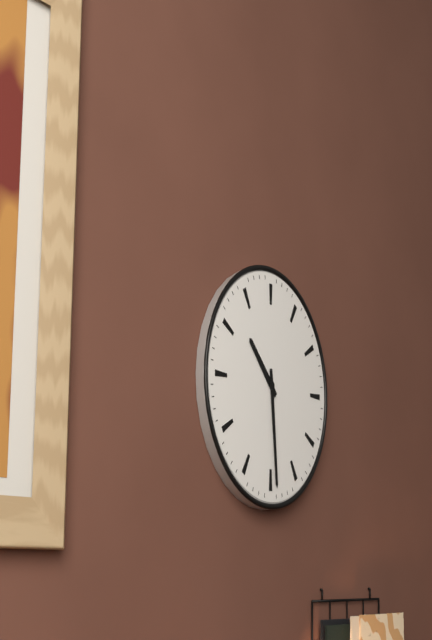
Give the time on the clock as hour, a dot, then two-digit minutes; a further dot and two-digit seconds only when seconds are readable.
10.29
